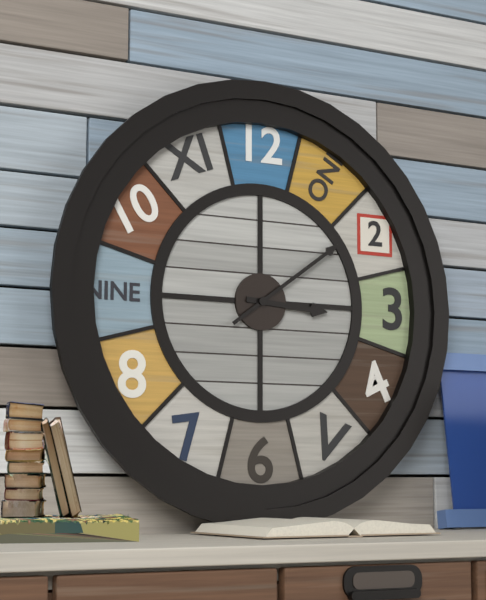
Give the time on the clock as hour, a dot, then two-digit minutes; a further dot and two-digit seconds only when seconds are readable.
3.09
